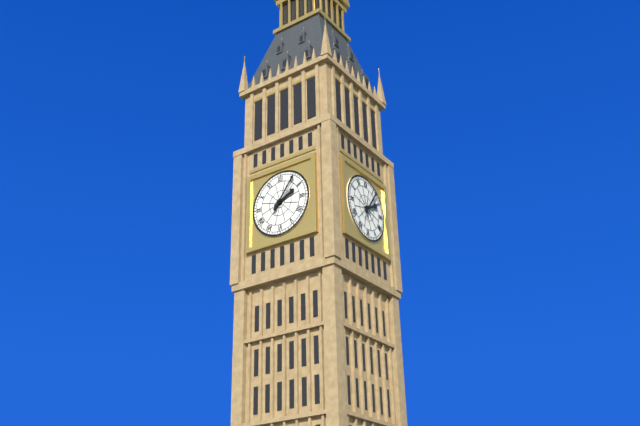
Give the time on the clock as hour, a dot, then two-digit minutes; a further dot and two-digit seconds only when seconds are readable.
2.06
